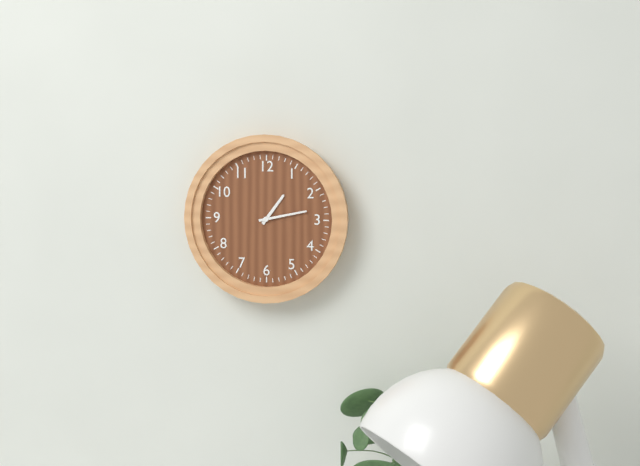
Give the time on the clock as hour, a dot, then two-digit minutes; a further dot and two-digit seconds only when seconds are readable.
1.13
